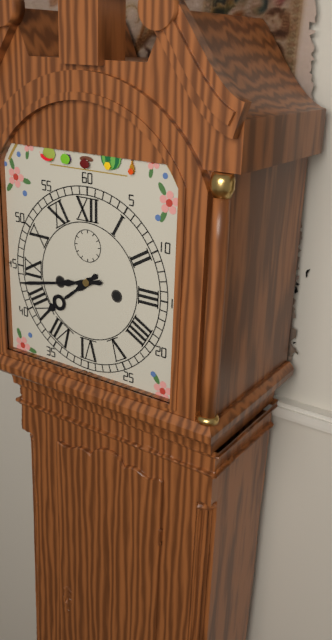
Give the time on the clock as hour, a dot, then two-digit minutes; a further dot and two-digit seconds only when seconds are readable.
7.43
